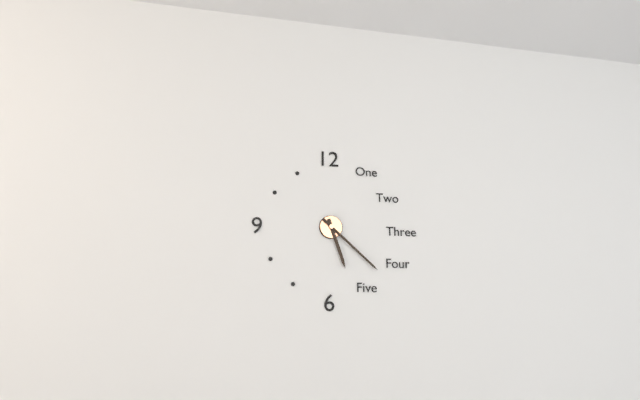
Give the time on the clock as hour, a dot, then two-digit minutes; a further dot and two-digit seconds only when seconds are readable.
5.22
